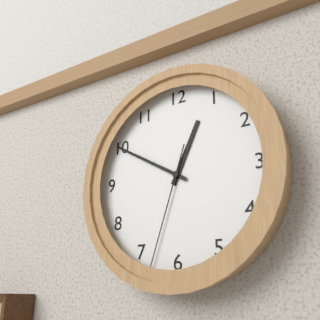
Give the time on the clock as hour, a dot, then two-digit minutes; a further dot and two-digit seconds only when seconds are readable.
12.50.33
